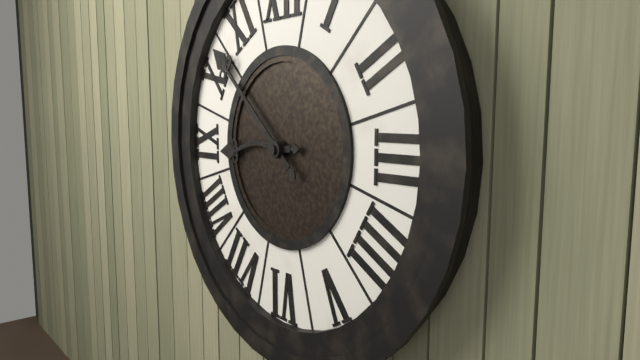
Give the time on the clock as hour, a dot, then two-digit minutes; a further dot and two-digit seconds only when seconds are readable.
8.52
